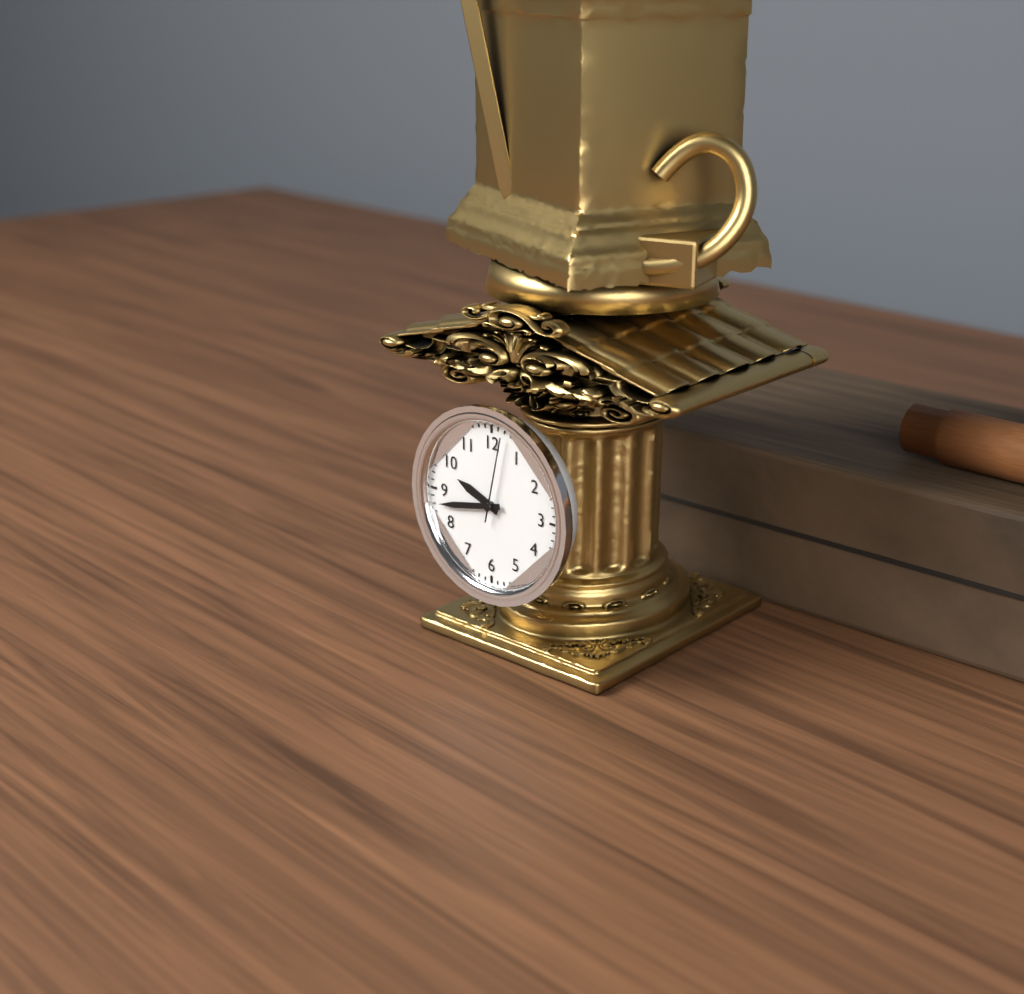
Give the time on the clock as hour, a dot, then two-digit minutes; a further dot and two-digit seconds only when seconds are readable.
9.43.02
